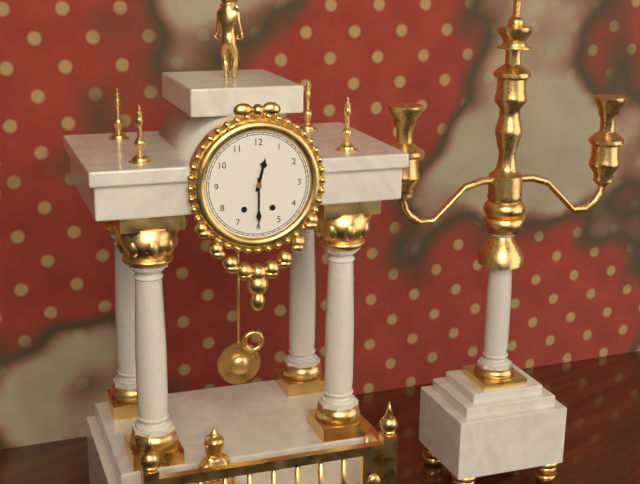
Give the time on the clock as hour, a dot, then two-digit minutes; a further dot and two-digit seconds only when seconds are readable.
12.30
